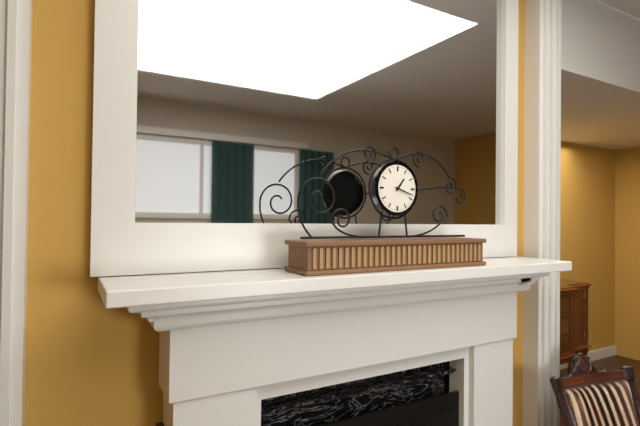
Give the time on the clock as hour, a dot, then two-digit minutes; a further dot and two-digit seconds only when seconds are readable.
1.18
